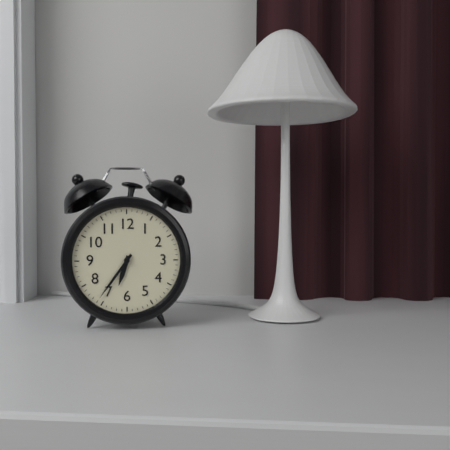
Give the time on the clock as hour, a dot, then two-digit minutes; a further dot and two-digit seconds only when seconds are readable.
6.36
